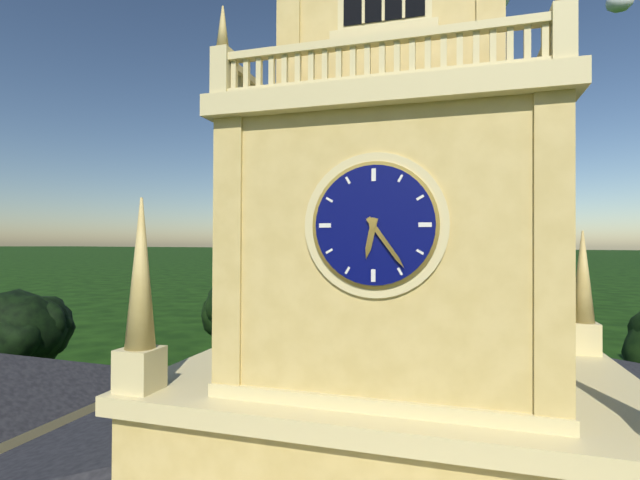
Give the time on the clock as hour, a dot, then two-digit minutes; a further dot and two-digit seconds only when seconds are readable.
6.24
